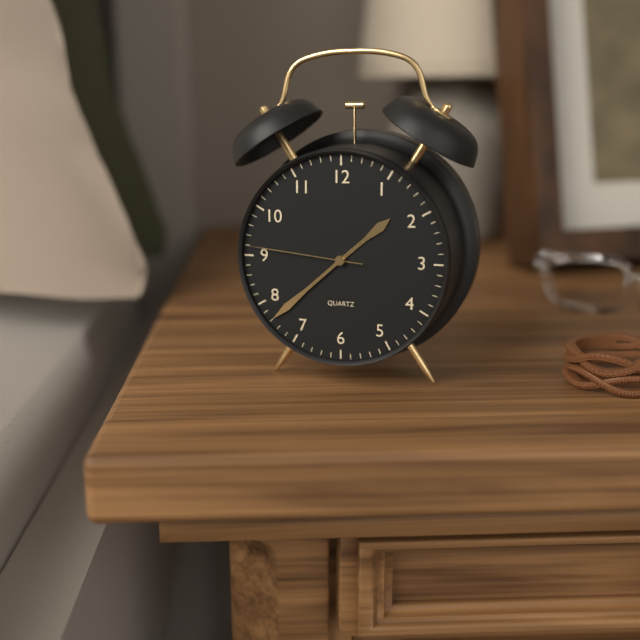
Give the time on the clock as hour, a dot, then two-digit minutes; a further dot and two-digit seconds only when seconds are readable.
1.38.46
